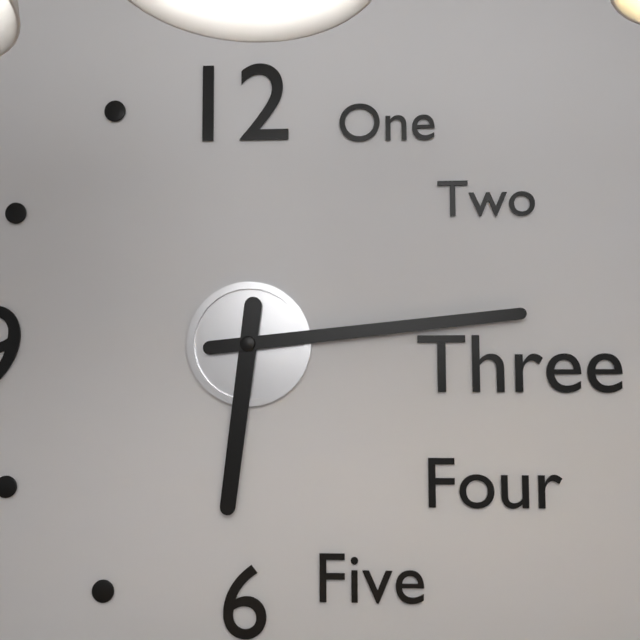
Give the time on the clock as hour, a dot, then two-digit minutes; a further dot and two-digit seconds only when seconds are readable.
6.14
